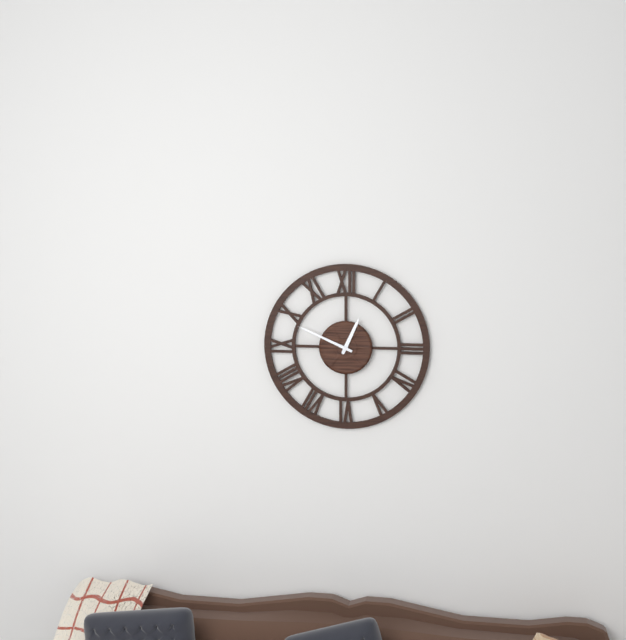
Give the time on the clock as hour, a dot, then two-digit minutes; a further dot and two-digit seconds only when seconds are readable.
12.49
